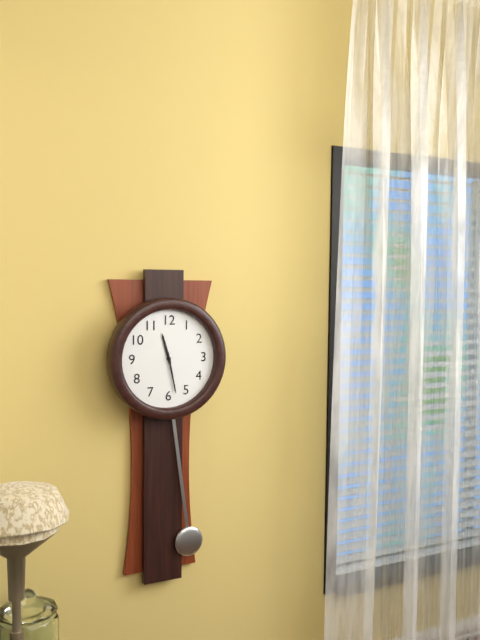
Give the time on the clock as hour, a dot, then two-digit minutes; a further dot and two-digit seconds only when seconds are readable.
11.28
